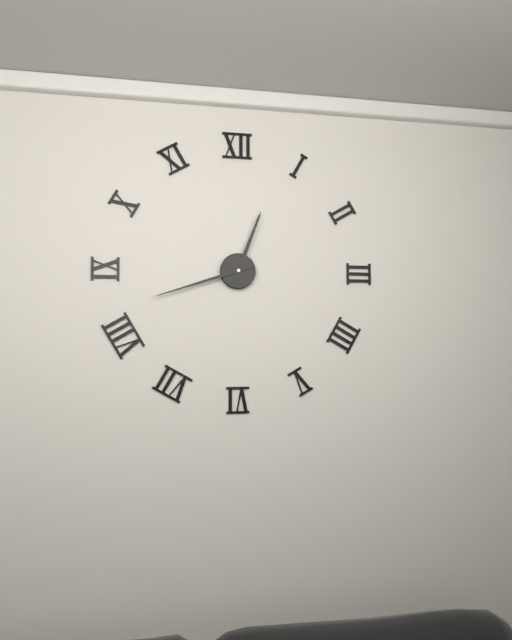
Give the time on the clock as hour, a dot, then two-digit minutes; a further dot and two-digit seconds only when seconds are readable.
12.42
